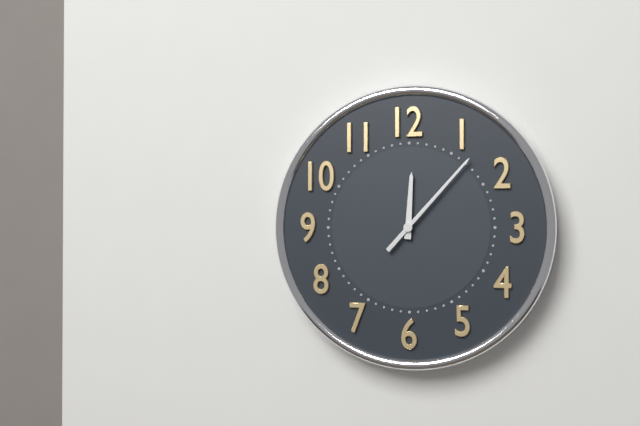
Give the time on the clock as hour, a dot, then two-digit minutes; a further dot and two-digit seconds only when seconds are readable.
12.07
